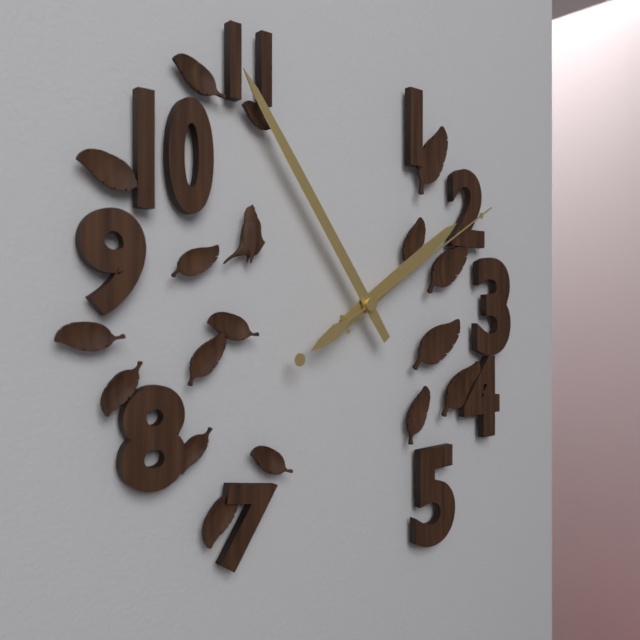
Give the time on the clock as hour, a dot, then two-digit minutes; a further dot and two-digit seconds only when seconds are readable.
1.54.10
